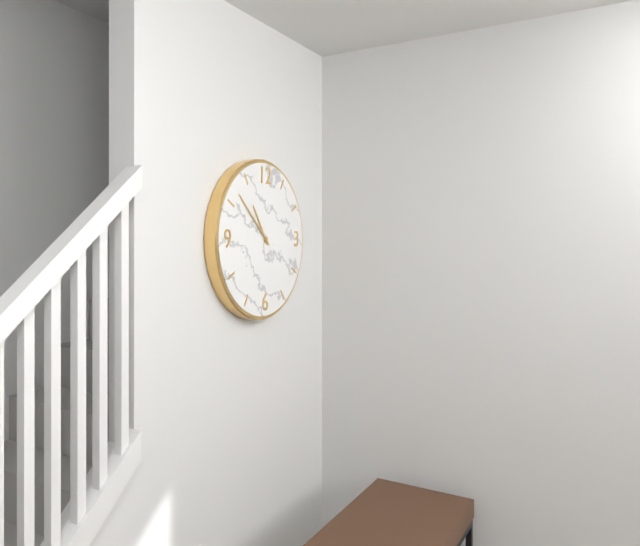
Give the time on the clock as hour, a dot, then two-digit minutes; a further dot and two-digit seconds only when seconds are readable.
10.52
